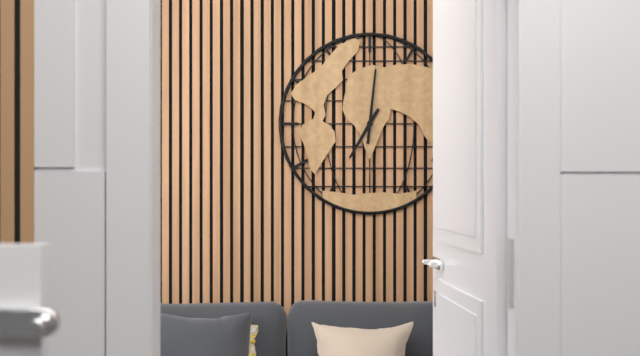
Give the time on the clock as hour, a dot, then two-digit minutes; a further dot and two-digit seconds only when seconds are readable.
7.01
